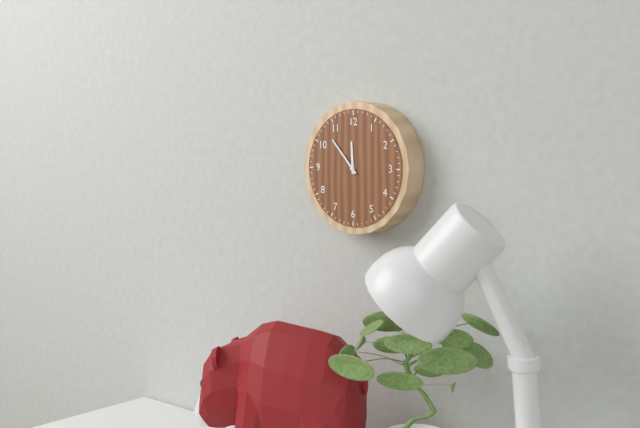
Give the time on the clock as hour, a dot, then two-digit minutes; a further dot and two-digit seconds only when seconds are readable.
11.53
